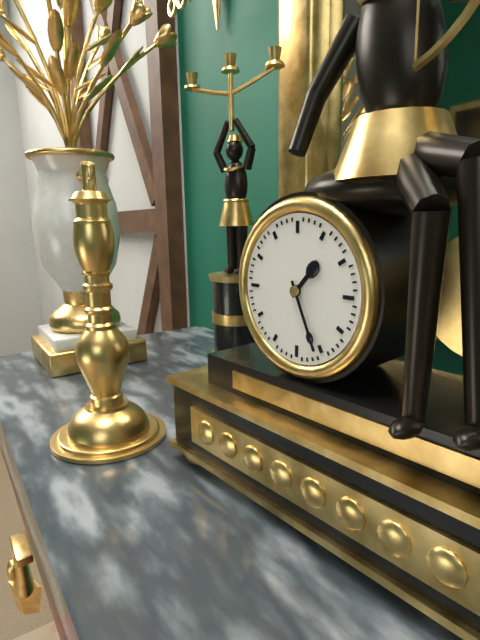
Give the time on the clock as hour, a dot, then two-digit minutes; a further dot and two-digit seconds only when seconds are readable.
1.26
